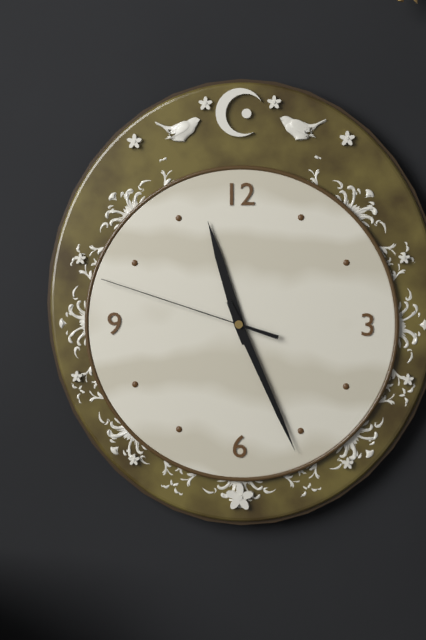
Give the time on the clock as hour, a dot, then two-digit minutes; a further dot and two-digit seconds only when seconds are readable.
11.26.48
